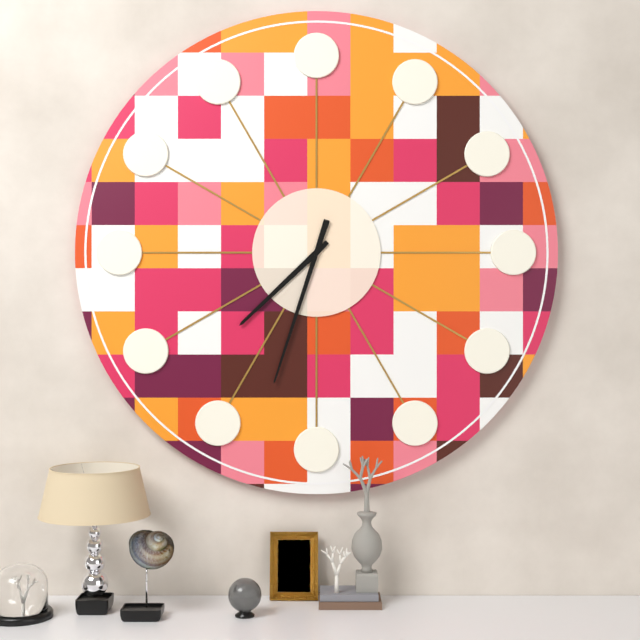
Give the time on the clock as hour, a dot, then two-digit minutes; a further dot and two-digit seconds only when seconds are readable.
7.33
